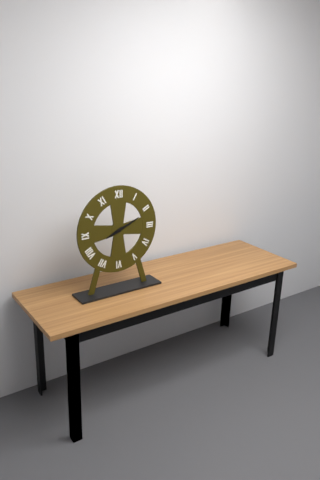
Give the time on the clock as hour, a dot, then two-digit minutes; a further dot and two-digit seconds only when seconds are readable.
8.11
